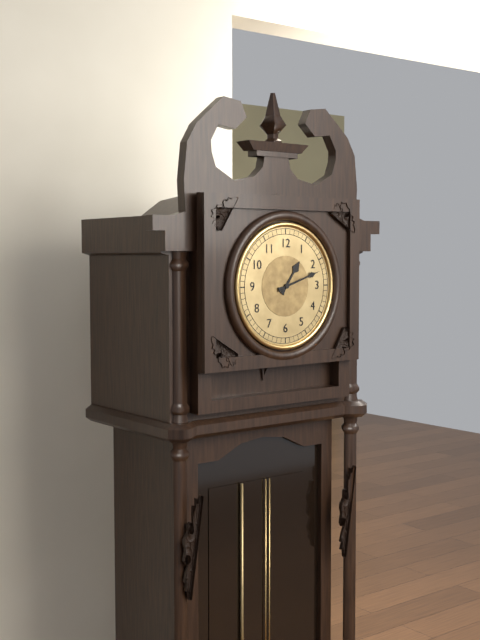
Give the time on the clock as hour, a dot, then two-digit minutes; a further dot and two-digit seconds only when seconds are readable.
1.12
